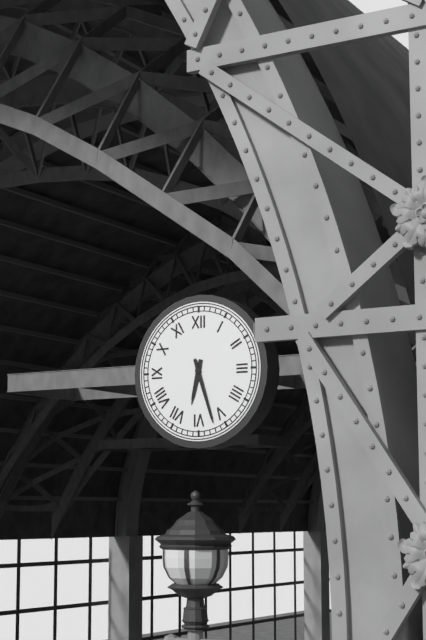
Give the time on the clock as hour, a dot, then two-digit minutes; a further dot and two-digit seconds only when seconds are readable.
6.27
